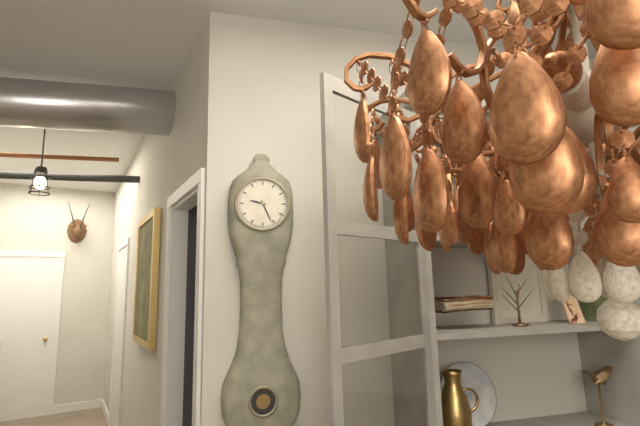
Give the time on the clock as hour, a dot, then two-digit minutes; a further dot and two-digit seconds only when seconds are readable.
9.26
